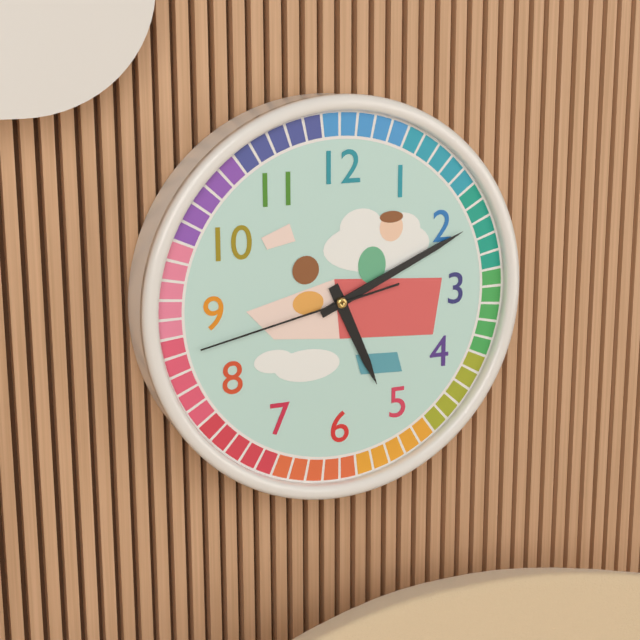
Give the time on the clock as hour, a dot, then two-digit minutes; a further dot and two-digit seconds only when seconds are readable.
5.11.43
